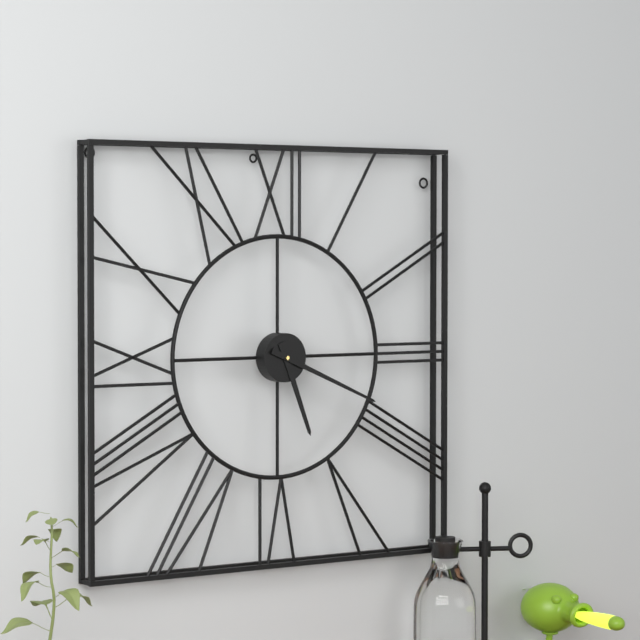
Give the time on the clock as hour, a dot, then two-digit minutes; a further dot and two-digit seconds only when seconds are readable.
5.19
